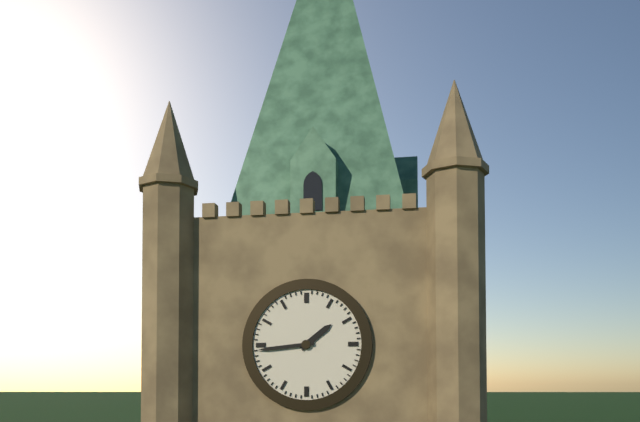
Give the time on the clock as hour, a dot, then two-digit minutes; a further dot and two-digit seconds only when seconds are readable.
1.44
